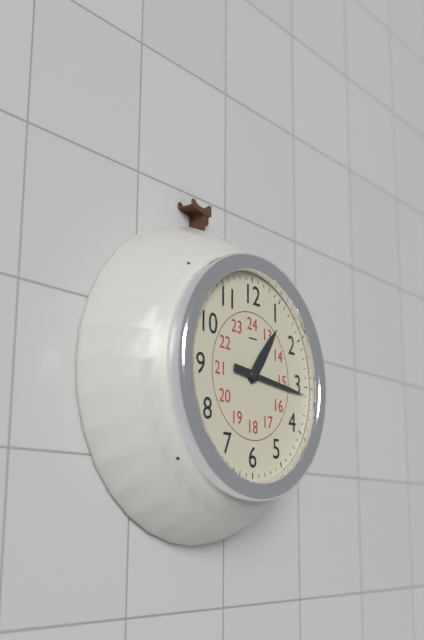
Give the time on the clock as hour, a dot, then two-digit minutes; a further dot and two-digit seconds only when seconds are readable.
1.16
